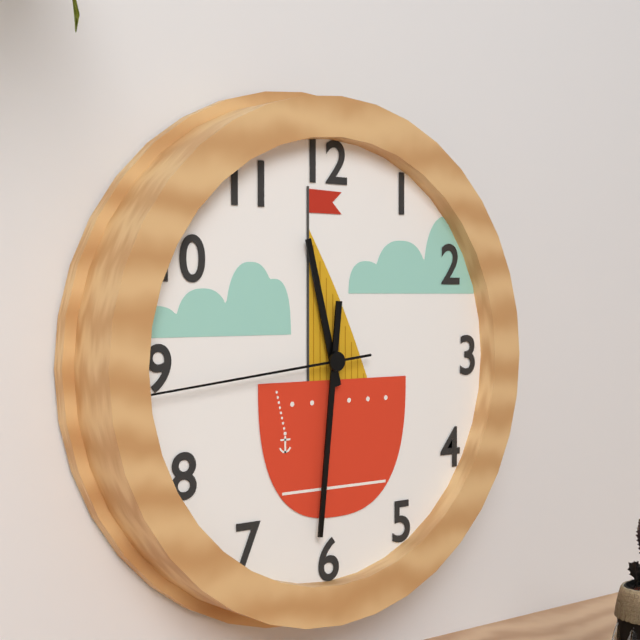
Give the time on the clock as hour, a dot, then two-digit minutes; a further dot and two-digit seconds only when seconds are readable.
11.31.44
